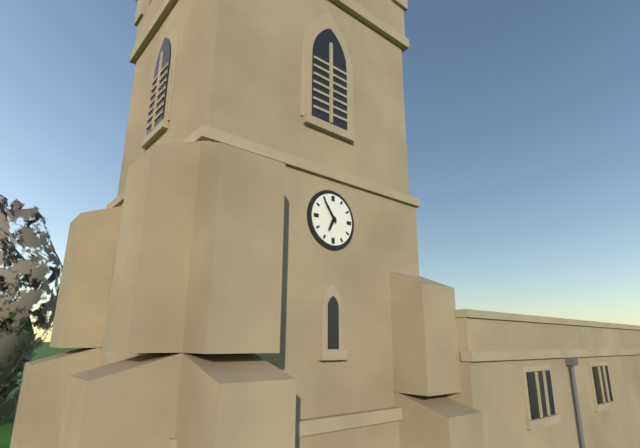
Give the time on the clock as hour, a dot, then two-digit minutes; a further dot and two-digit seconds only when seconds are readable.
6.54
